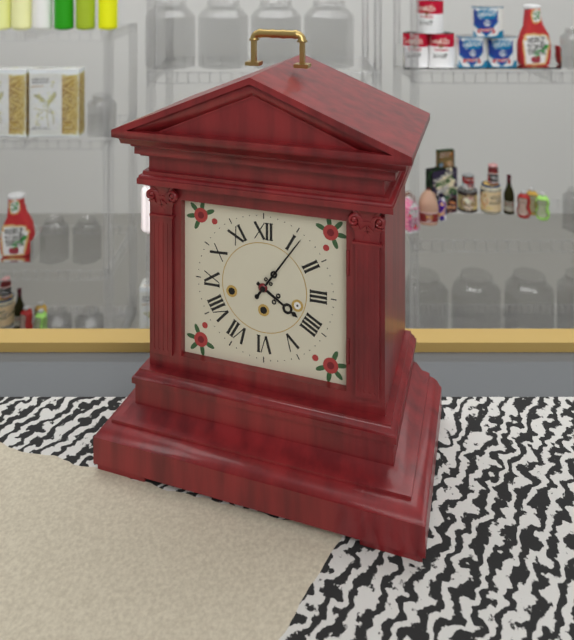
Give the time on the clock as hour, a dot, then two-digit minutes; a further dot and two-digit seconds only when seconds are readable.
4.06
